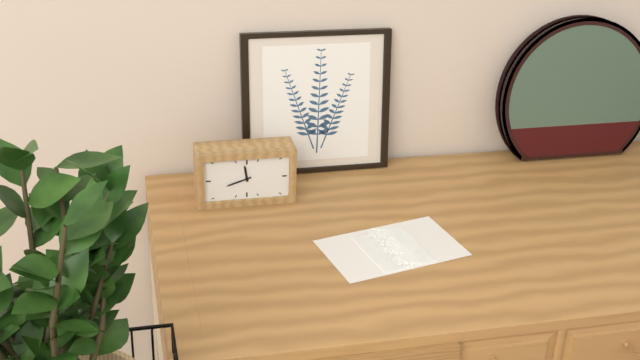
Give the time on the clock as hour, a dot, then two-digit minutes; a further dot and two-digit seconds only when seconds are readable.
11.42
